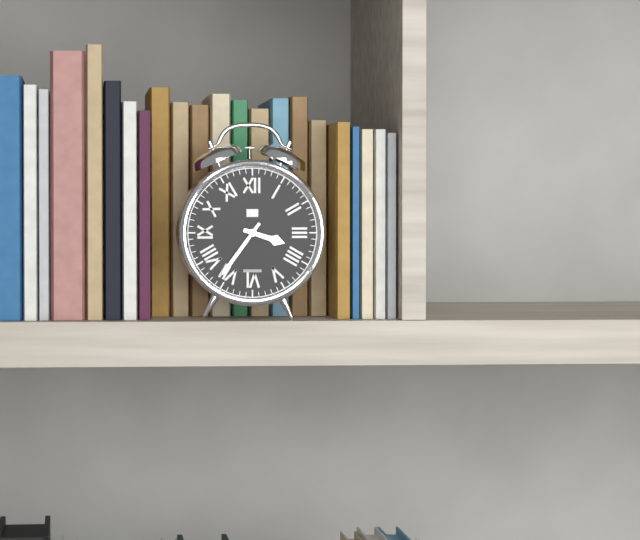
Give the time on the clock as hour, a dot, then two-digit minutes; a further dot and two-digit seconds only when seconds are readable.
3.36
